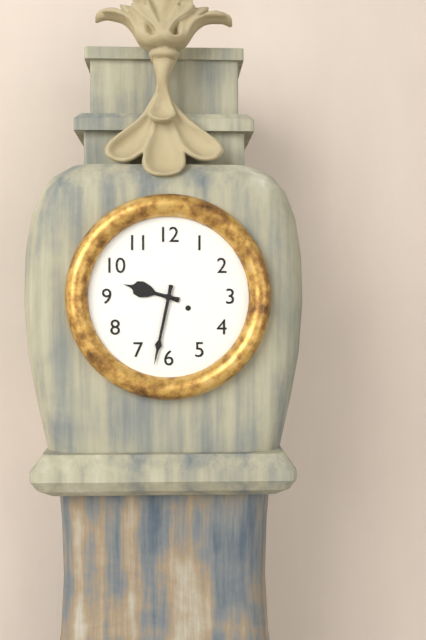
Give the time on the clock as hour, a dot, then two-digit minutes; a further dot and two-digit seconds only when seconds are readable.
9.32
